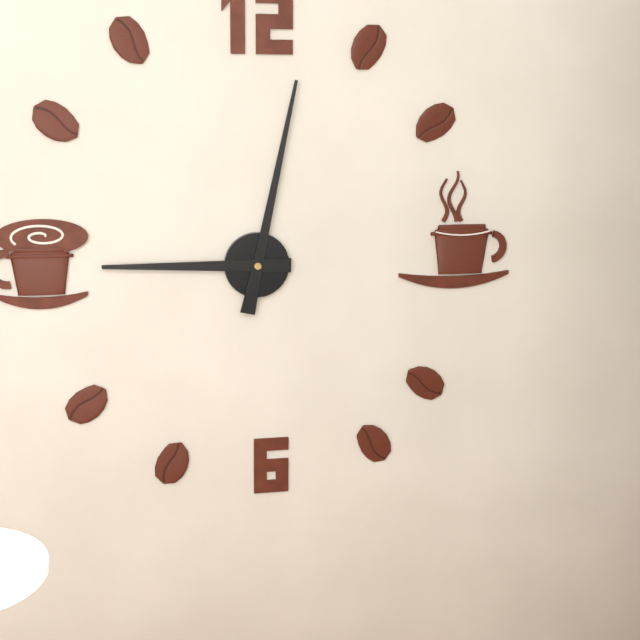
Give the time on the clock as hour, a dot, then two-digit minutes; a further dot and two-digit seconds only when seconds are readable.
9.02
